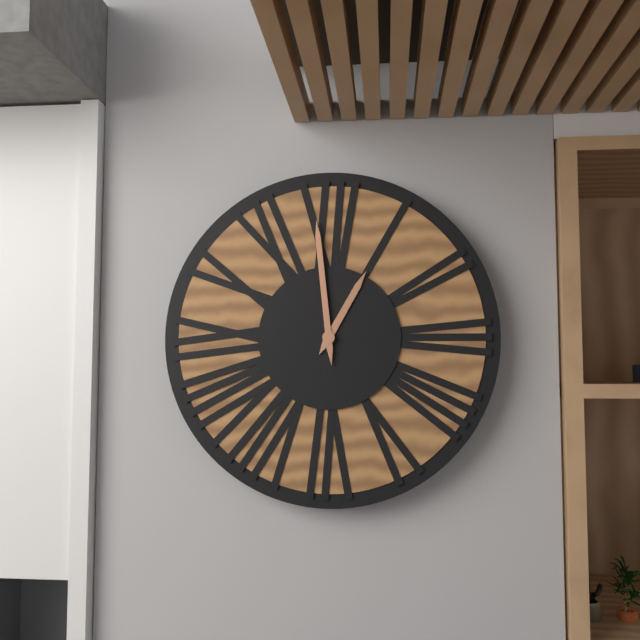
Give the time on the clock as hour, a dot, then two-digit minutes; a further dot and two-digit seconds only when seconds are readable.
12.59
